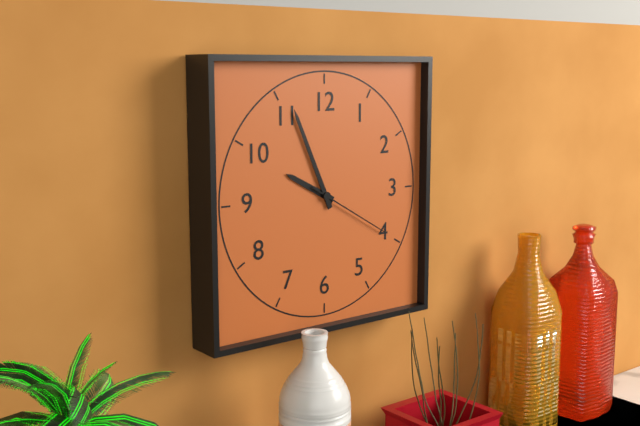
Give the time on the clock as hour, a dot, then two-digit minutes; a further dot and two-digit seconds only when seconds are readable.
9.56.20
